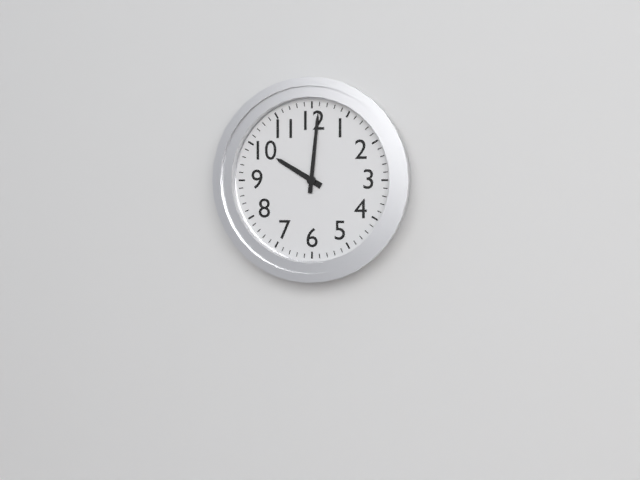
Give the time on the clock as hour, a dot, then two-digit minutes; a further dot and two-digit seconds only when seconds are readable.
10.01
